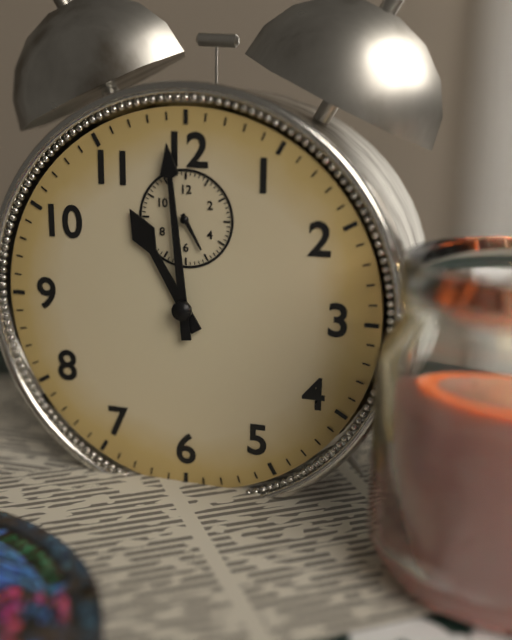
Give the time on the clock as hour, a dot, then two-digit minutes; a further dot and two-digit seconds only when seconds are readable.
10.59
